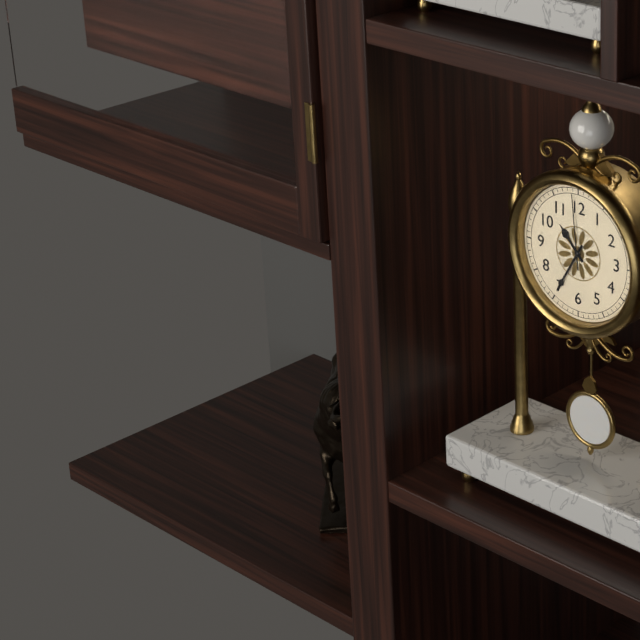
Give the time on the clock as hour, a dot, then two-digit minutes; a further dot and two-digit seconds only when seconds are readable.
10.35.59
